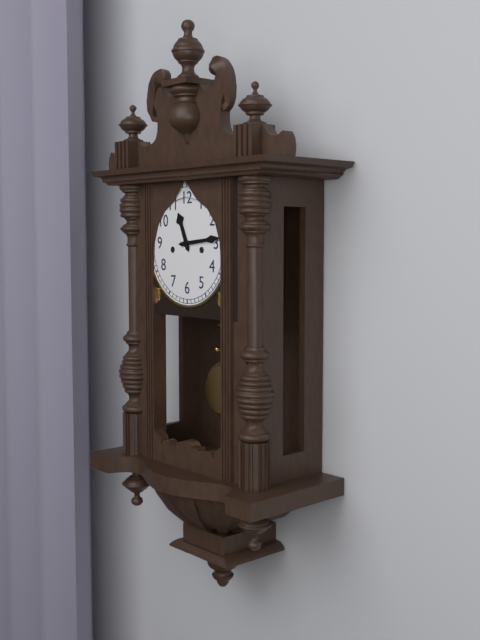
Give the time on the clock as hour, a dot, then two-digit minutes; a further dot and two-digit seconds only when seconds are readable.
11.14
